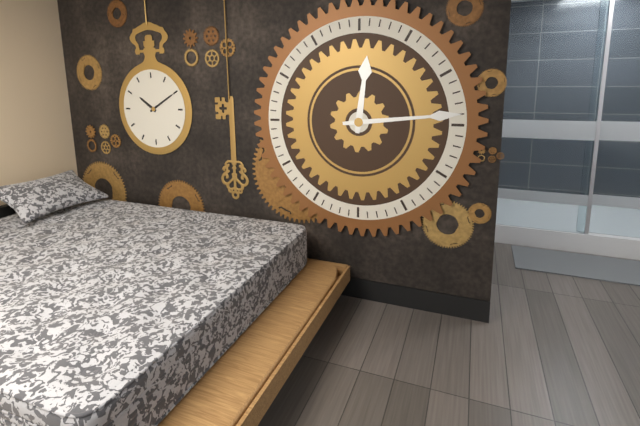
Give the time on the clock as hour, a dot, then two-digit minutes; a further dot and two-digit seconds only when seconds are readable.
12.14
